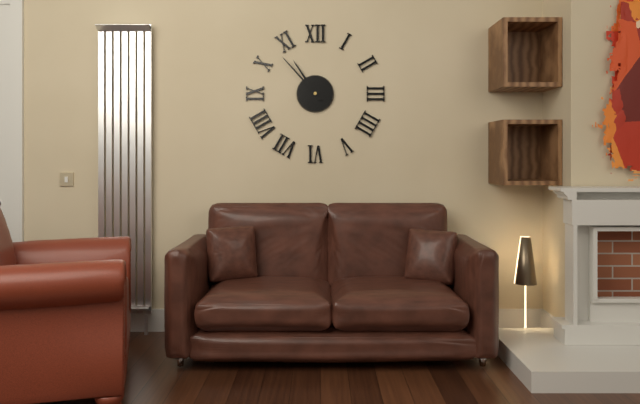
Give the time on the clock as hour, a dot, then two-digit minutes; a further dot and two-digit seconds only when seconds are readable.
10.53
